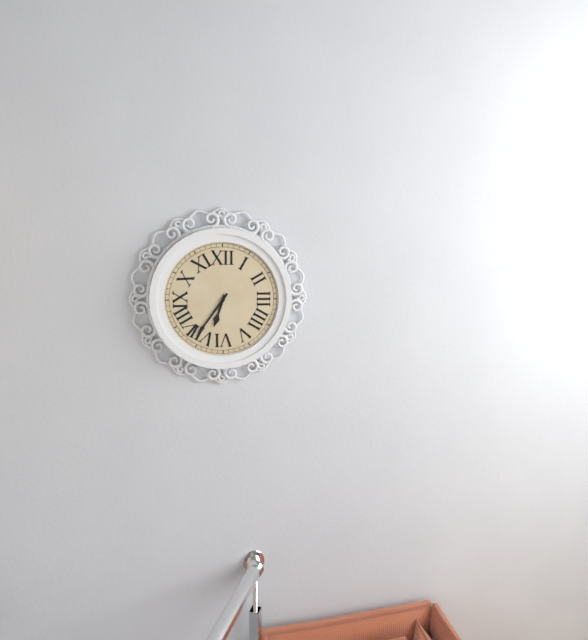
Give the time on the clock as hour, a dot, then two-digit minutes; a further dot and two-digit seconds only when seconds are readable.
6.36
